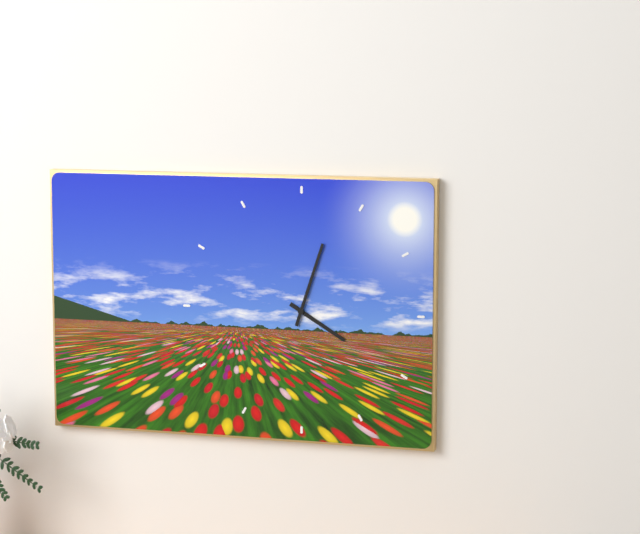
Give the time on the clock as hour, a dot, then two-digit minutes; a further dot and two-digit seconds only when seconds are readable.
4.03
